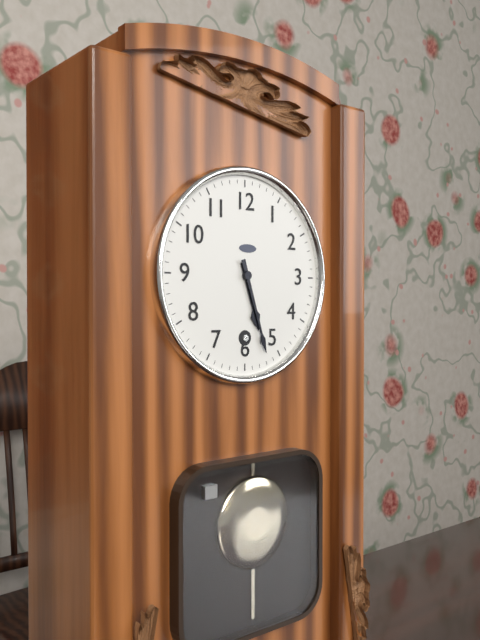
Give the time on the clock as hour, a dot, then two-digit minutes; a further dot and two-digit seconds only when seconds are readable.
5.27
